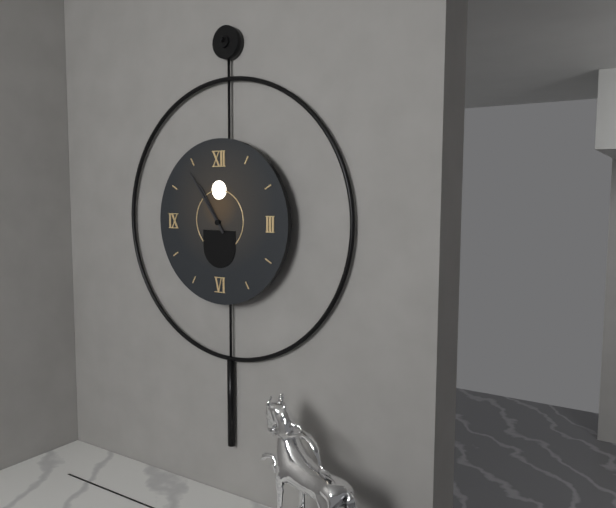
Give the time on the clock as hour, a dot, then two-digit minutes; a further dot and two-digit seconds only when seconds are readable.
10.54
